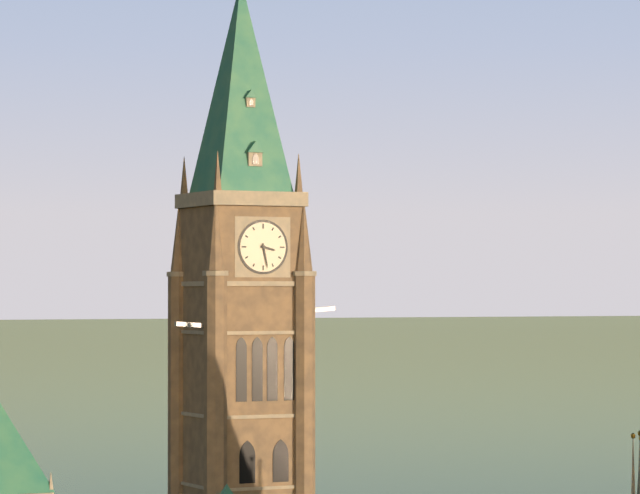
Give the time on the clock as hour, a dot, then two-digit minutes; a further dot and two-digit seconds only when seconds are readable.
3.28
